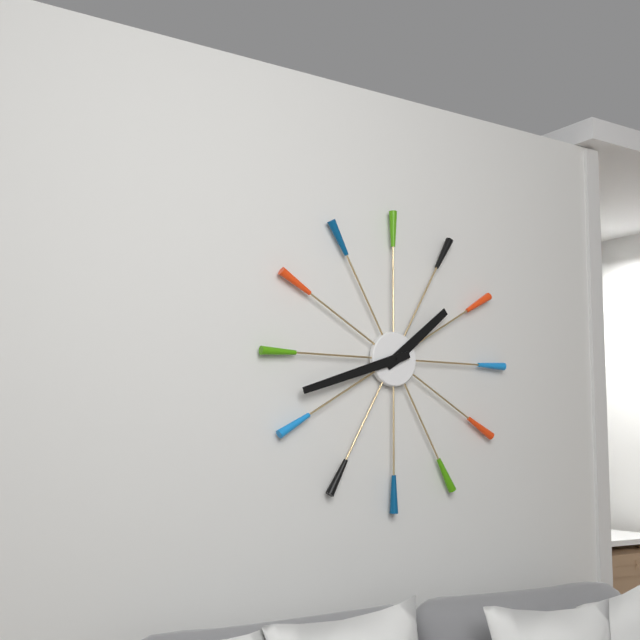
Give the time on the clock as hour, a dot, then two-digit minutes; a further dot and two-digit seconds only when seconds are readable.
1.42
